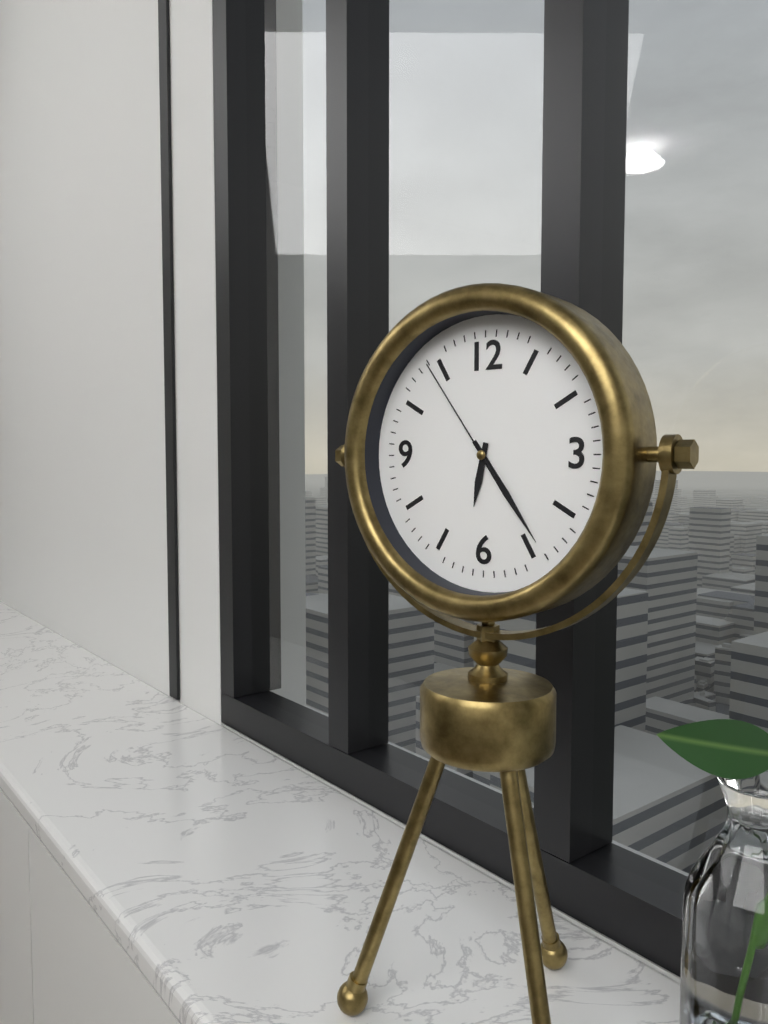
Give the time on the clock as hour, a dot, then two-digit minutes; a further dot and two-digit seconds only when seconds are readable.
6.24.54
